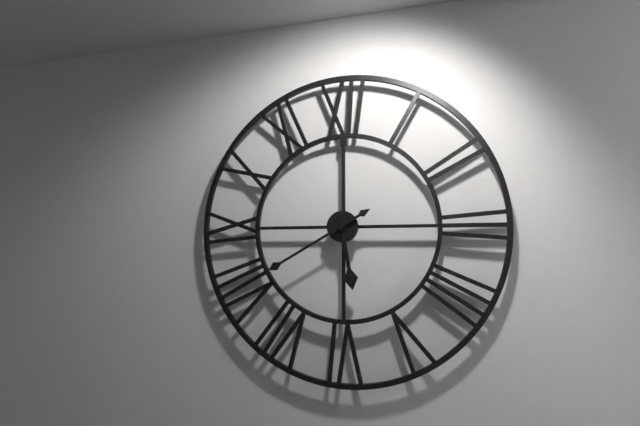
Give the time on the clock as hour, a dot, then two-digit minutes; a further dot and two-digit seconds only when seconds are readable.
5.40
